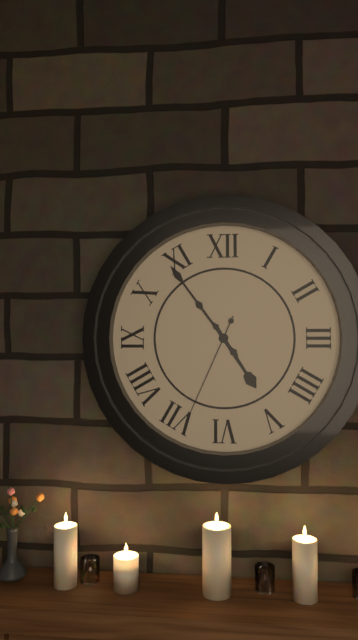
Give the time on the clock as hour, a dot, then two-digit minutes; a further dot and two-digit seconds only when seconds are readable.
4.54.34
